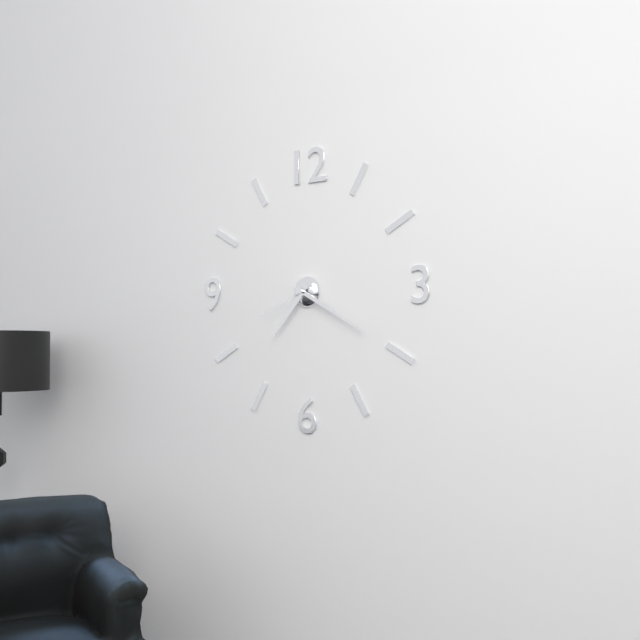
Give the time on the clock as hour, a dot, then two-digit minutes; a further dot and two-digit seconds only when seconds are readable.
7.20.41
